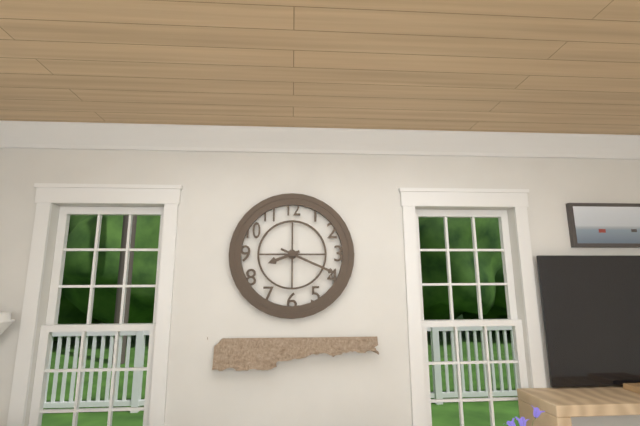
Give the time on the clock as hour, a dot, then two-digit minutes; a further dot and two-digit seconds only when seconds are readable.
8.19
